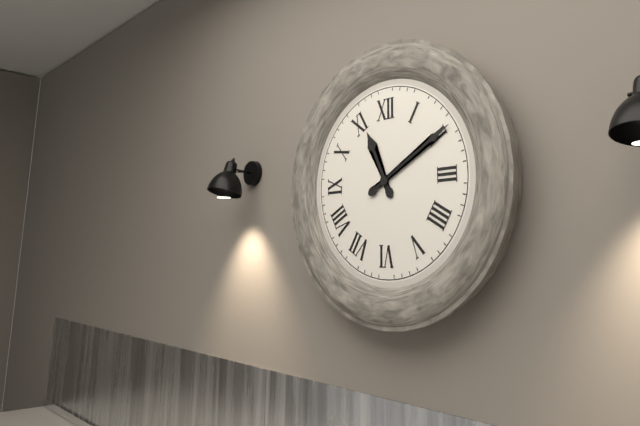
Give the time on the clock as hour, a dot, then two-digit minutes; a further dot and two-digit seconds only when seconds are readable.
11.10
